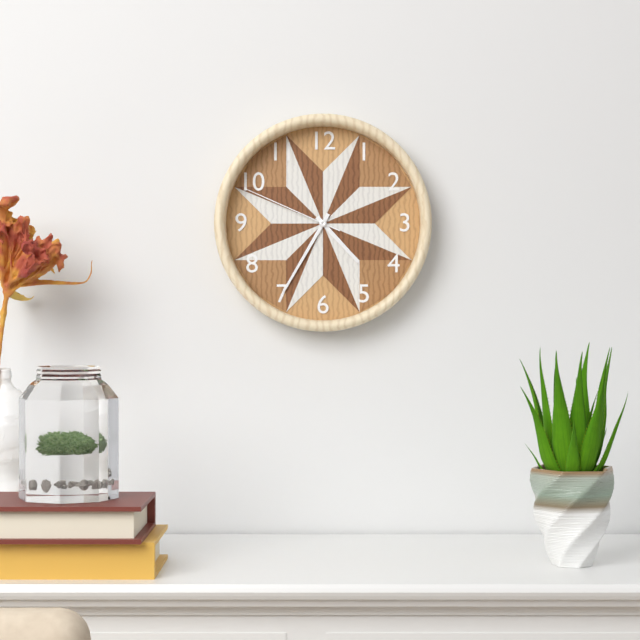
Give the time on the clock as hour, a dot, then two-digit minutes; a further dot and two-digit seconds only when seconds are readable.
4.35.49
